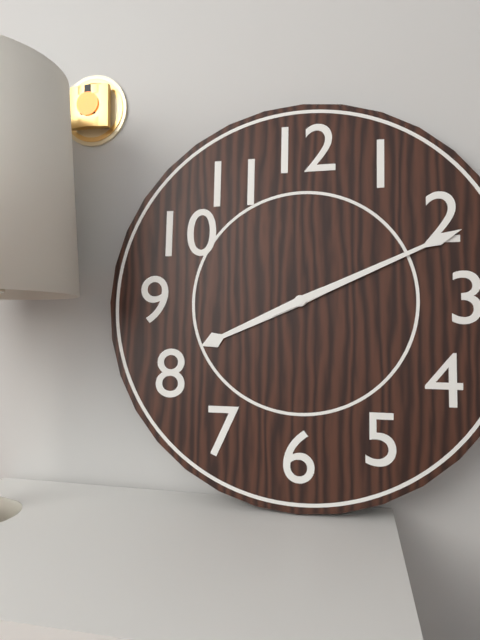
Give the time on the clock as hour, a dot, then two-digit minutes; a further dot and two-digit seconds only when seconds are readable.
8.11
